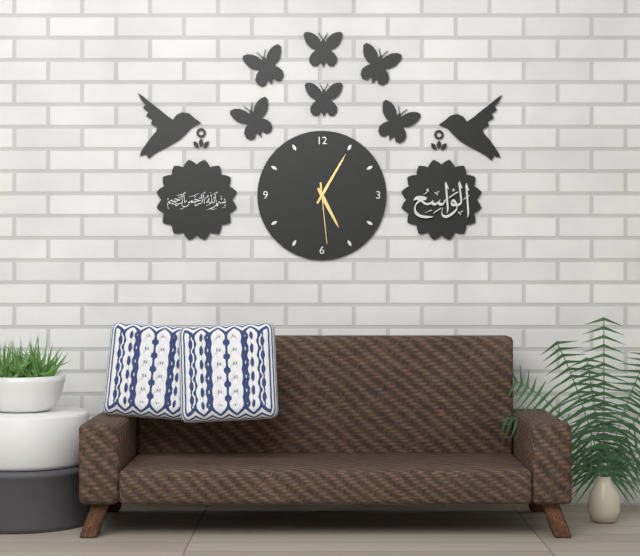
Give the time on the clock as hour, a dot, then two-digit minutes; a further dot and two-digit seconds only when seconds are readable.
5.05.29
